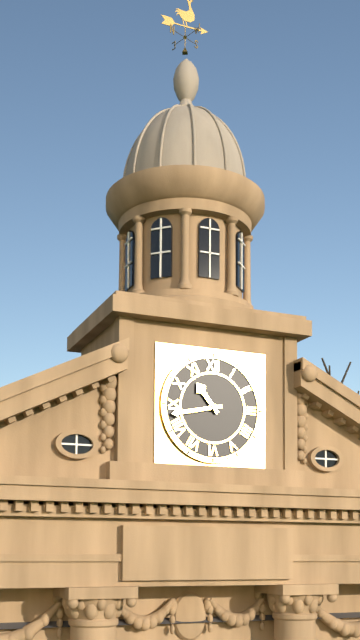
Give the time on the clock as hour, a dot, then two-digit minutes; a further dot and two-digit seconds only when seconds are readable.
10.43
